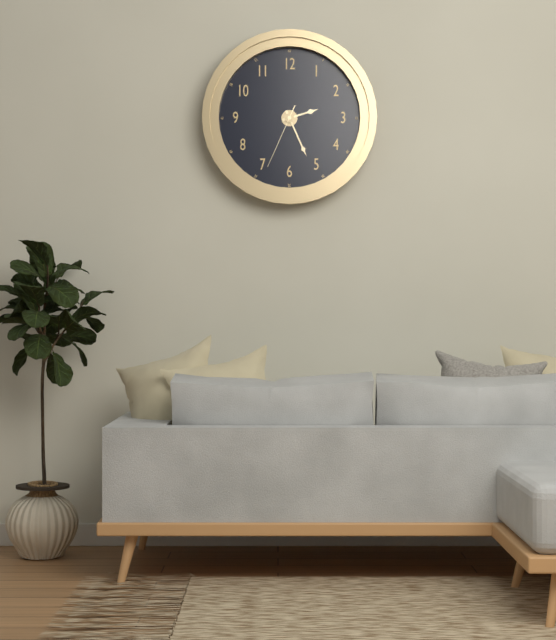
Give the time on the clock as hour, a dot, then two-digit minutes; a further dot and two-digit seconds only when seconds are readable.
2.26.34
